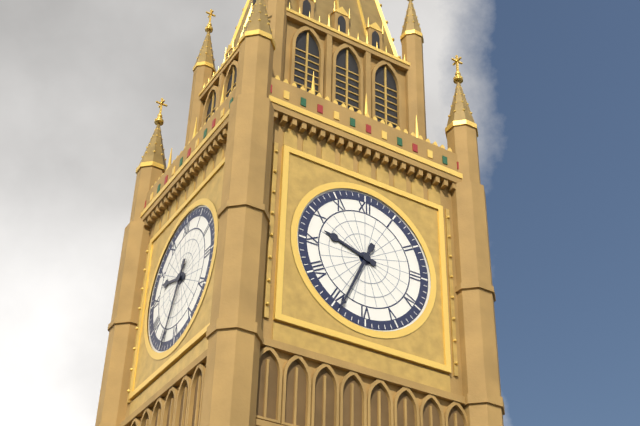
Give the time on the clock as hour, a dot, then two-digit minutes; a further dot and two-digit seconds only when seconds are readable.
9.34
